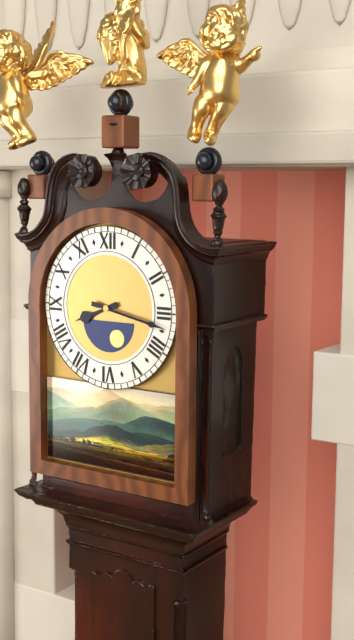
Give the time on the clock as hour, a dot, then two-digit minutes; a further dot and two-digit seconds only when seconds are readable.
8.17
